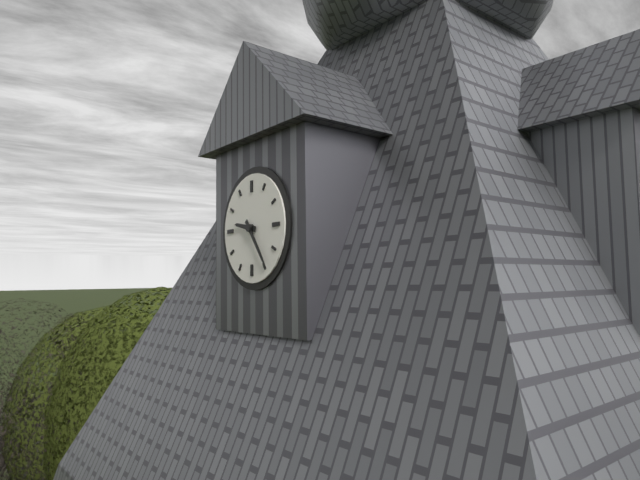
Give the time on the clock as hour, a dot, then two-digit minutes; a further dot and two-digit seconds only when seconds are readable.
9.24
